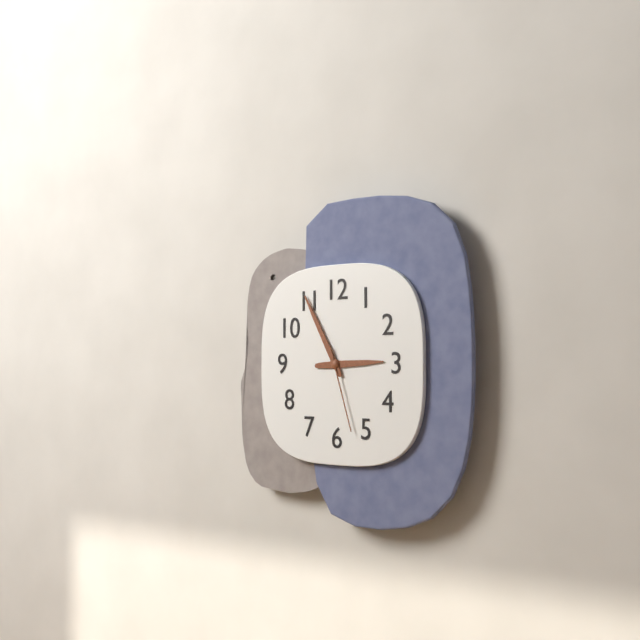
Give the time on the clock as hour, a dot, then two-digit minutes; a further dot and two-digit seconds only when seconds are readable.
2.55.27
